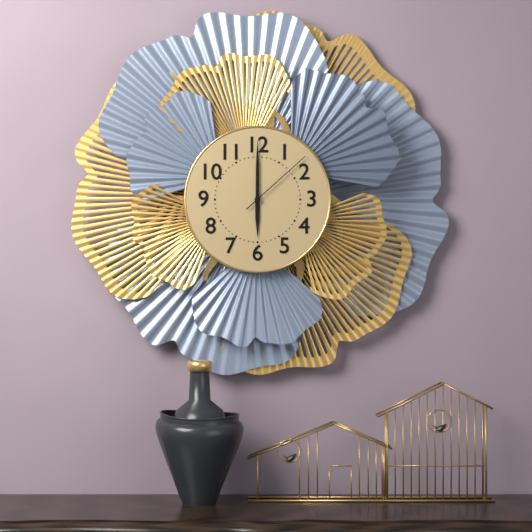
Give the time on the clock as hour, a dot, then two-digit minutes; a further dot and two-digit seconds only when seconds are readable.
6.00.08
